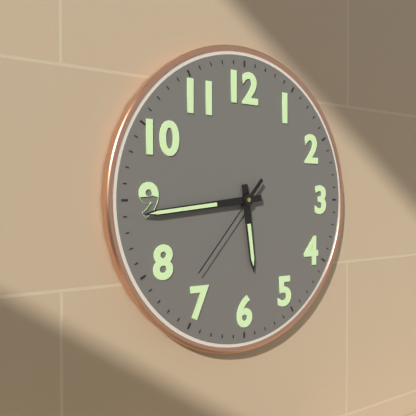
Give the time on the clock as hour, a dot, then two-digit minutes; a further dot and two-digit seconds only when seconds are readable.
5.44.37
